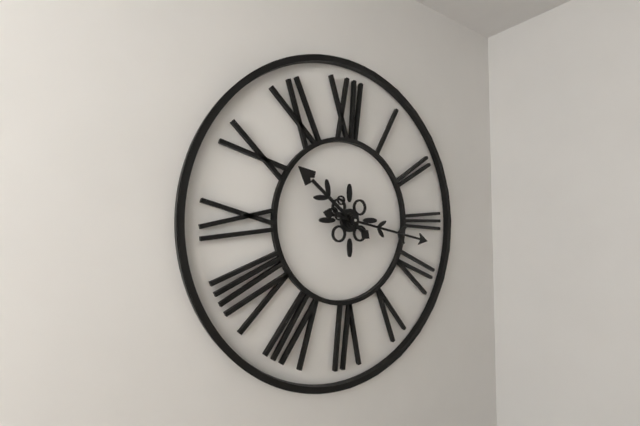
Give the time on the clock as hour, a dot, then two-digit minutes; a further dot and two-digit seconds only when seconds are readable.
10.17
